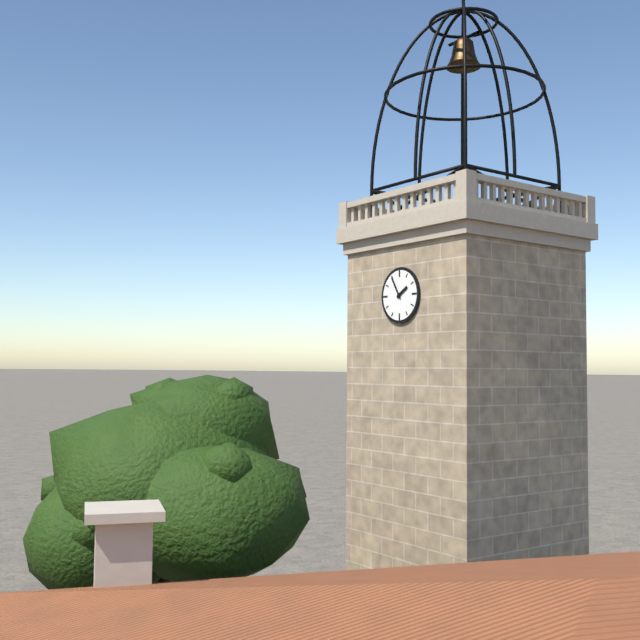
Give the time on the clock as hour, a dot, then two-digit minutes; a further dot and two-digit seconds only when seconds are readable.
1.55
